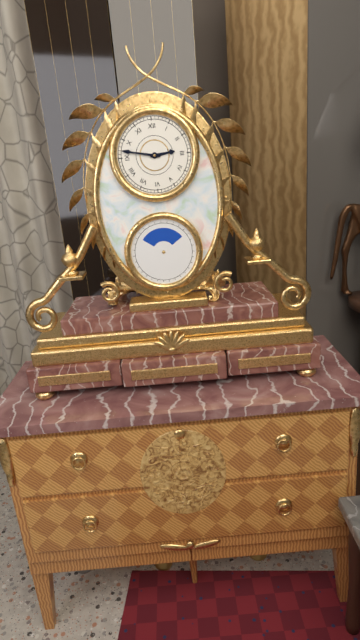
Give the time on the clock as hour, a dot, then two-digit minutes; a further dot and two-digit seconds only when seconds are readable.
2.47
